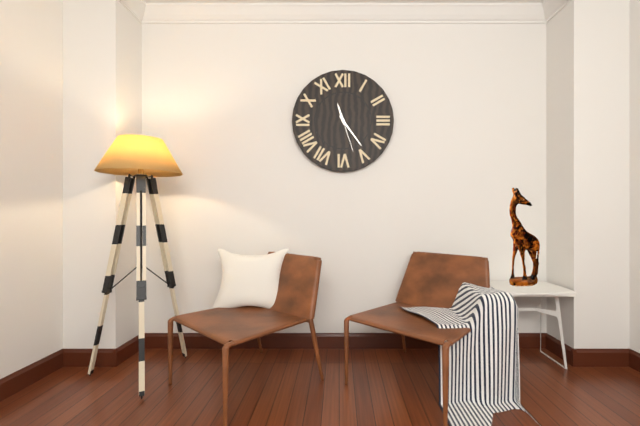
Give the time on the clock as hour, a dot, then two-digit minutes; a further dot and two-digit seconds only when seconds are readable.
11.24
